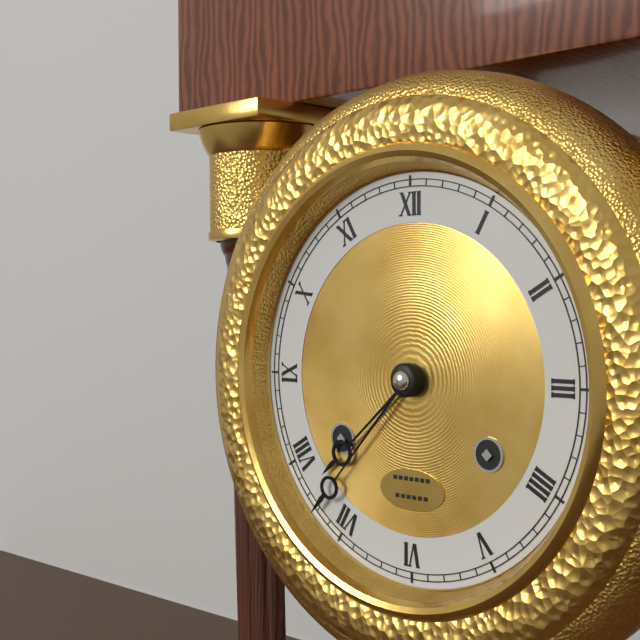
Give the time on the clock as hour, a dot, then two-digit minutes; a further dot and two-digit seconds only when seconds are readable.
7.37
